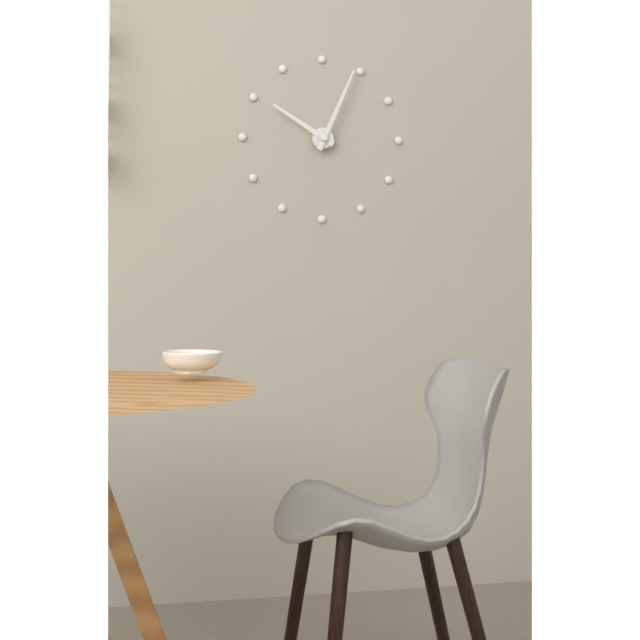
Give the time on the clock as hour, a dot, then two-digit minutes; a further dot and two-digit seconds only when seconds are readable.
10.04
